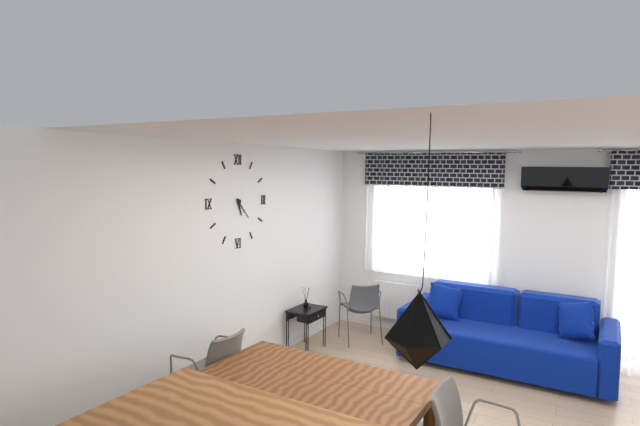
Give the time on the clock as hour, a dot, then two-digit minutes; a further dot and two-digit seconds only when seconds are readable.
5.23
